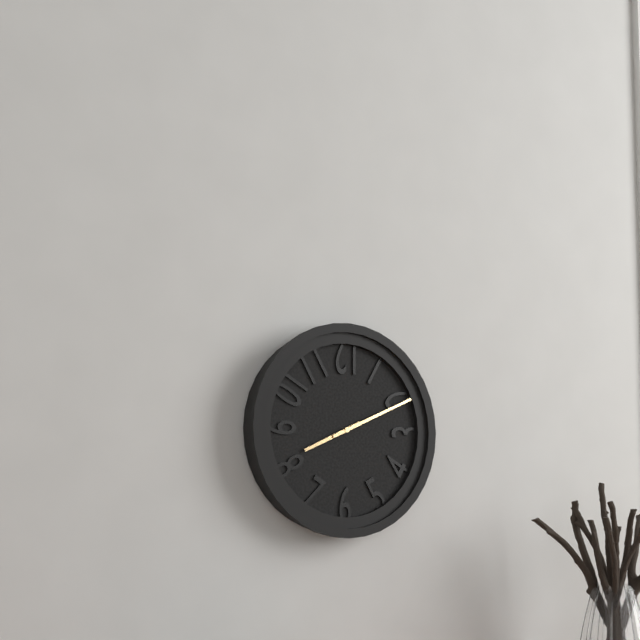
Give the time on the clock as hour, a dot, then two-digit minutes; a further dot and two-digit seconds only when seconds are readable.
8.11
